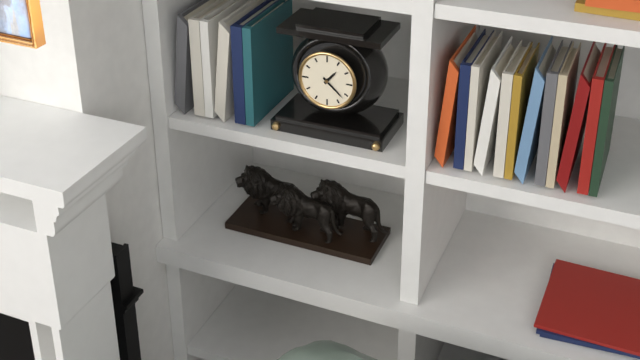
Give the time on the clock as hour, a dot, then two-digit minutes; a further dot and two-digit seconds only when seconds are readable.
1.22
